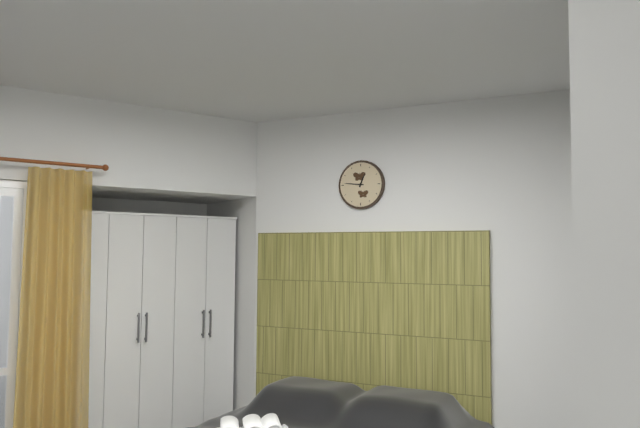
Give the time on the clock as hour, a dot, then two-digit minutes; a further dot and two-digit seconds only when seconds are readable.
12.46
